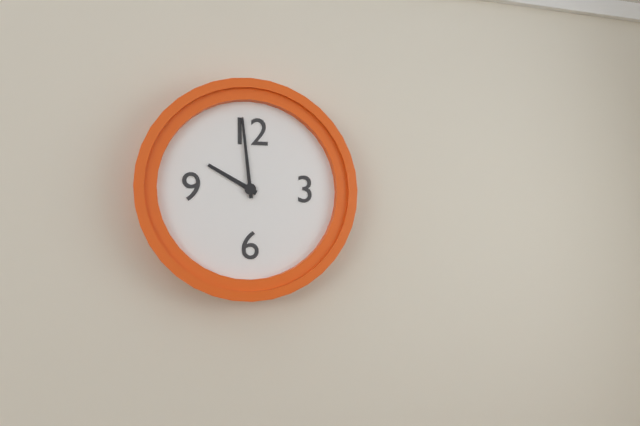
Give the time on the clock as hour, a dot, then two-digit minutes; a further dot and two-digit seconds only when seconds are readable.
9.59
